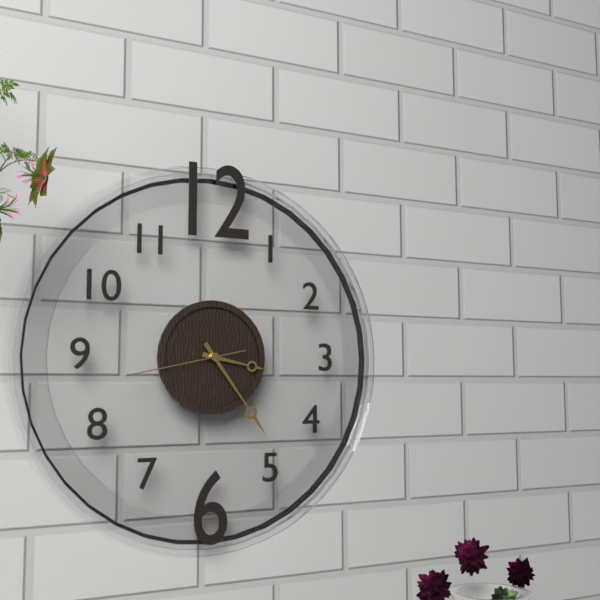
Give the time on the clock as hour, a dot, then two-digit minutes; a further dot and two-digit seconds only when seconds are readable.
3.24.43
